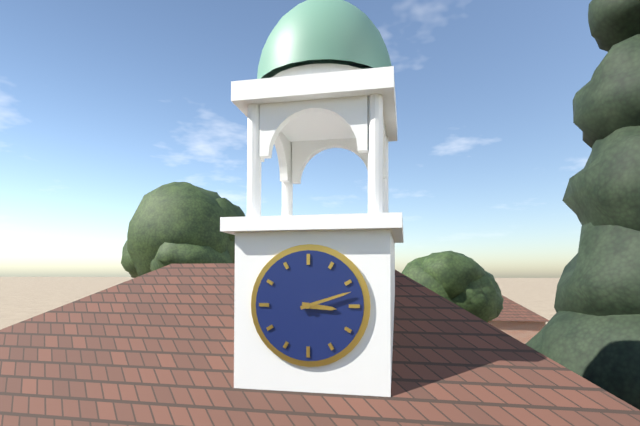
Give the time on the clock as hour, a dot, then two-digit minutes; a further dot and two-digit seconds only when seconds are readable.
3.12
